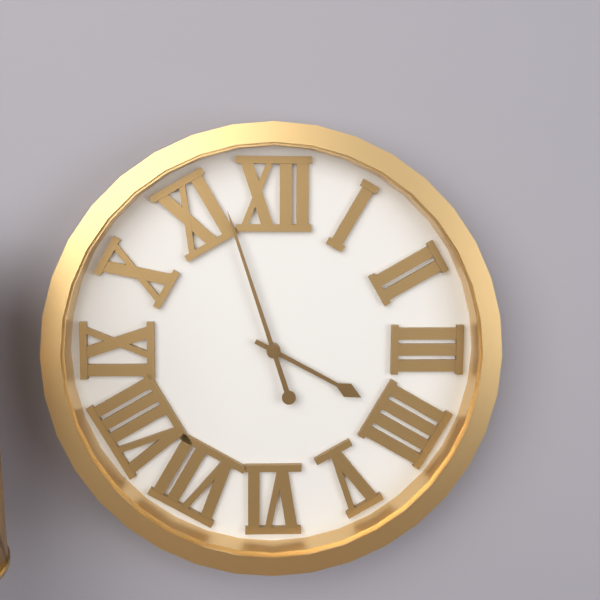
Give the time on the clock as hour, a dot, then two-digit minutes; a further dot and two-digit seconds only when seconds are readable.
3.57
